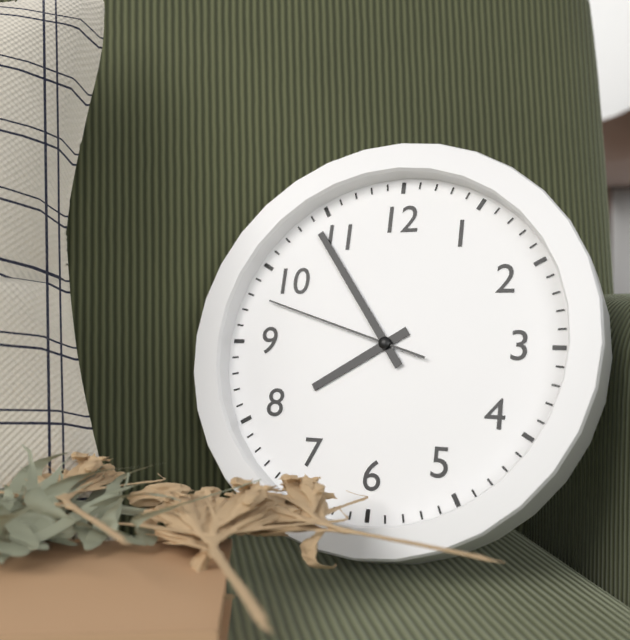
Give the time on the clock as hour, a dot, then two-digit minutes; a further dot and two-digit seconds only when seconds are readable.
7.54.48
